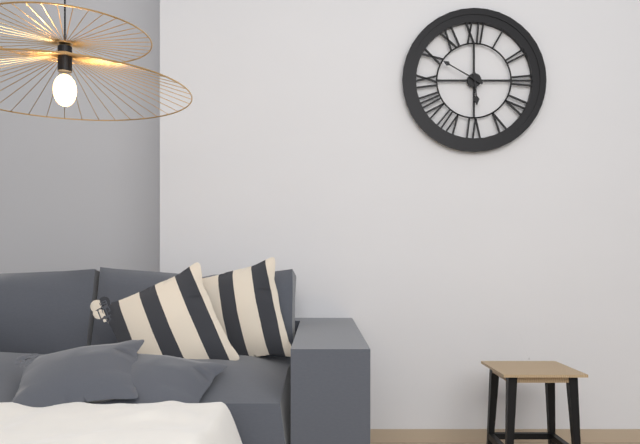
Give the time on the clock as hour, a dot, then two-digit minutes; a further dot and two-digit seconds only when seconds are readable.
5.50
